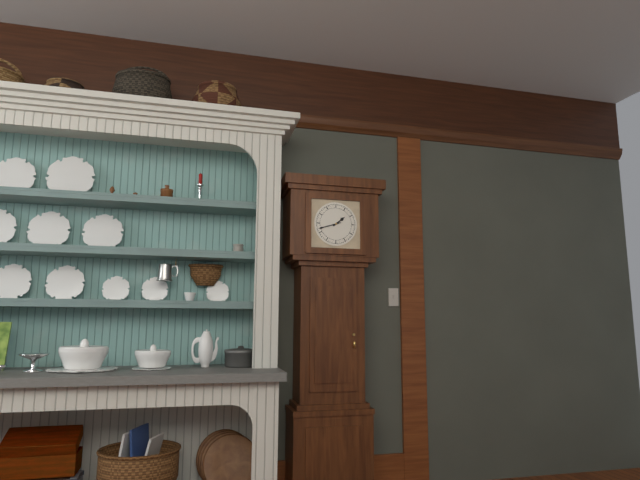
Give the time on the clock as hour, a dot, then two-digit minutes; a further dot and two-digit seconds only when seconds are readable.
1.42
